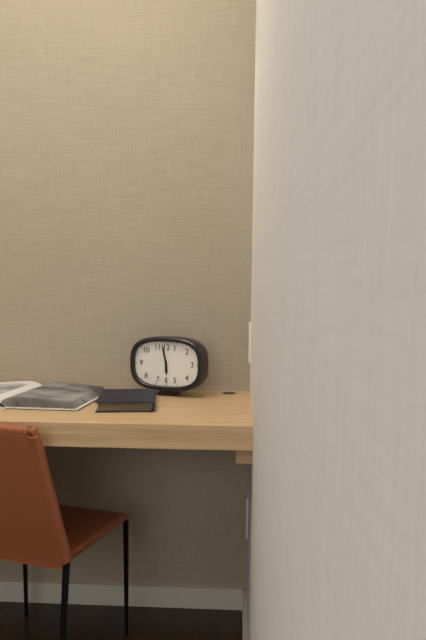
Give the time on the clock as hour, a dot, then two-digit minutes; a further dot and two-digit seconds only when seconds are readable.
5.58
